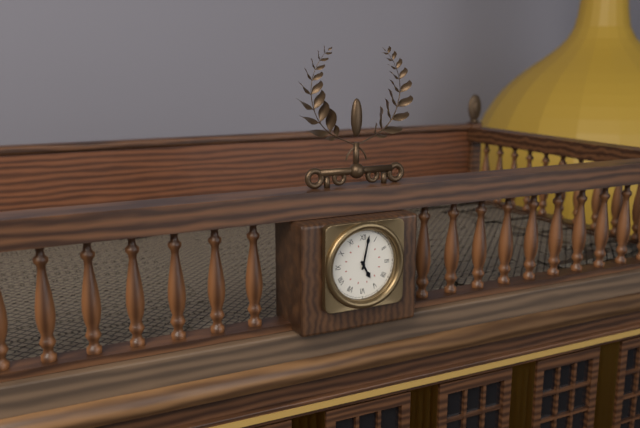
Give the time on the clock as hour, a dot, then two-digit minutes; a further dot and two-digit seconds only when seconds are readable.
5.02
